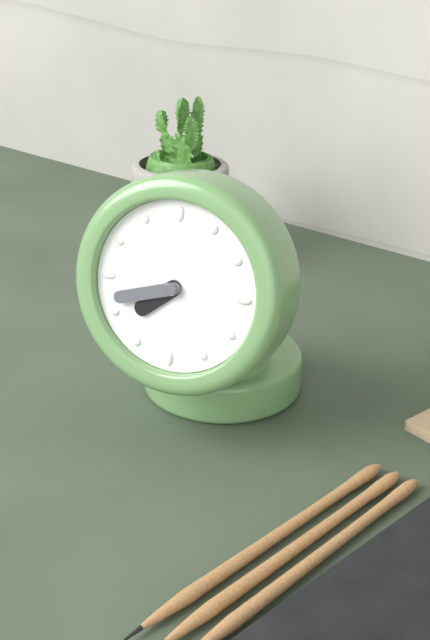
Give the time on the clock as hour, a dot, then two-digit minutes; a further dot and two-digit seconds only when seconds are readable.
7.42
